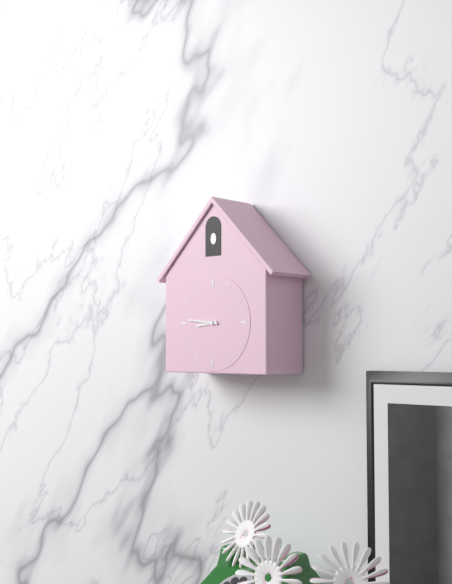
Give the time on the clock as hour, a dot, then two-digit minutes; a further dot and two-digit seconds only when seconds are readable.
8.46
